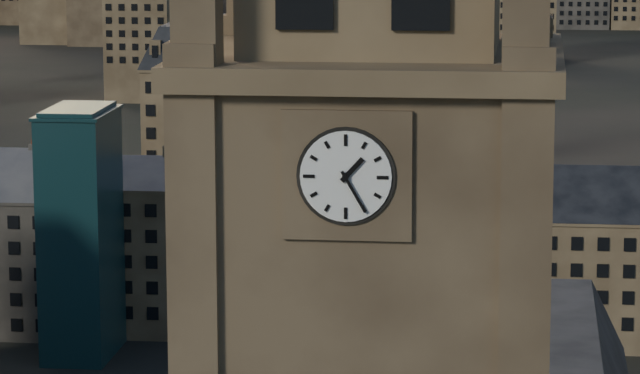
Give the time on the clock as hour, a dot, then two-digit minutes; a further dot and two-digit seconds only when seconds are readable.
1.25
